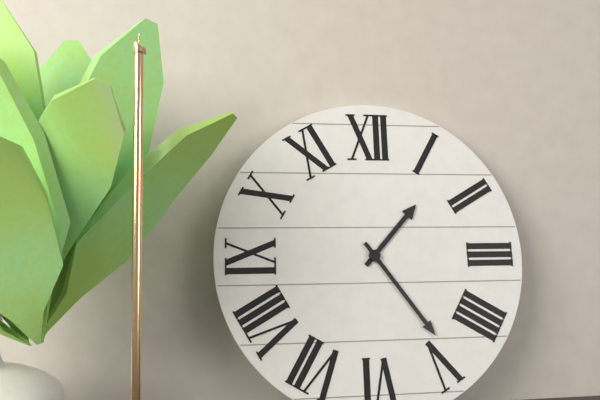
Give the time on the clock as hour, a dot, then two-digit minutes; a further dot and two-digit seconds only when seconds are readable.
1.24
